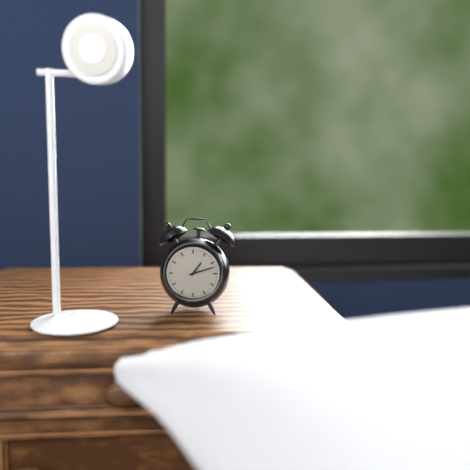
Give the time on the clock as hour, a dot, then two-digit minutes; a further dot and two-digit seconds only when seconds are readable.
1.12
